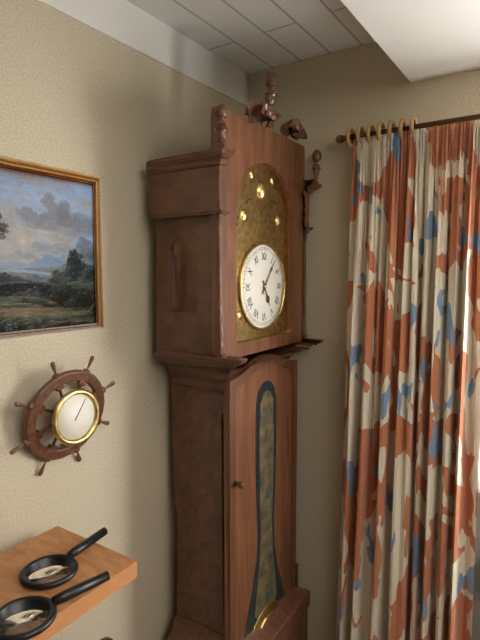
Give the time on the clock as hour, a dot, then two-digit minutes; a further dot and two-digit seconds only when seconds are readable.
5.06
